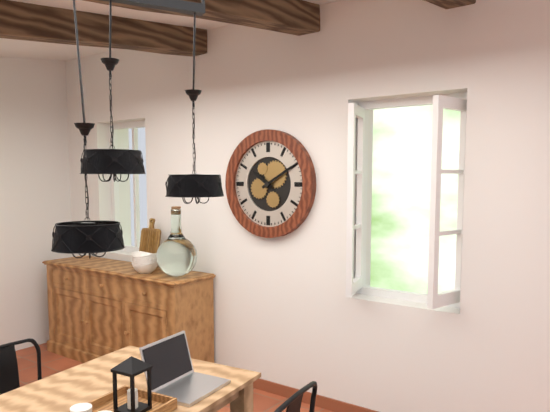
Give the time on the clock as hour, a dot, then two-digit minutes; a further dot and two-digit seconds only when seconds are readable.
10.10
